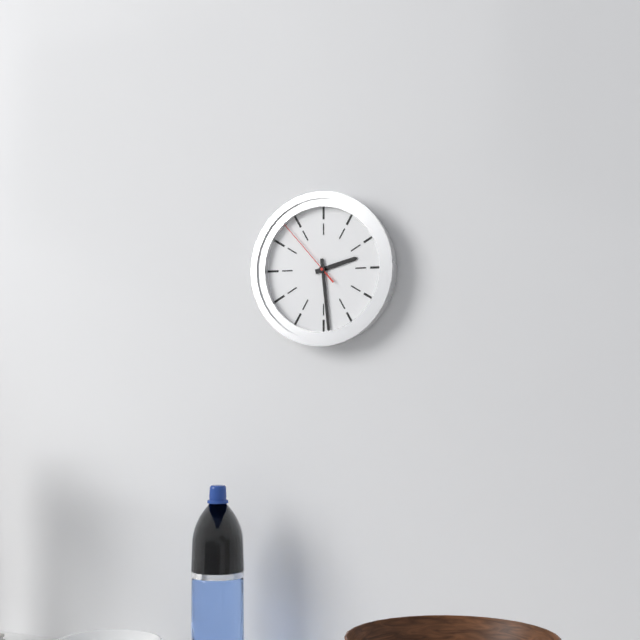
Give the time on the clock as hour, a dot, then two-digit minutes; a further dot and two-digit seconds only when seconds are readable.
2.29.53
